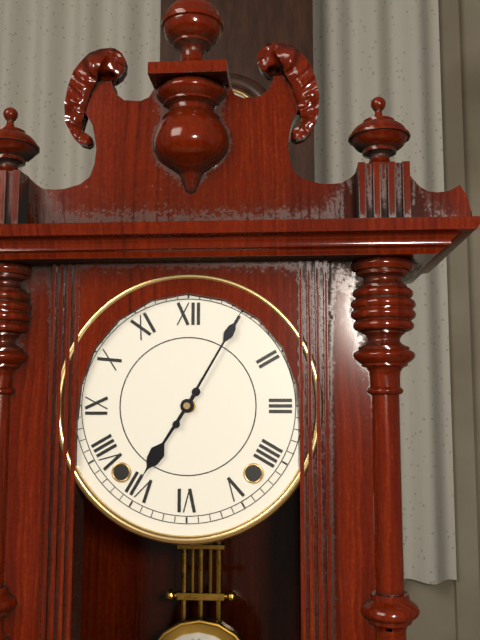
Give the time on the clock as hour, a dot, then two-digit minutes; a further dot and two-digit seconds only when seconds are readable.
7.05
